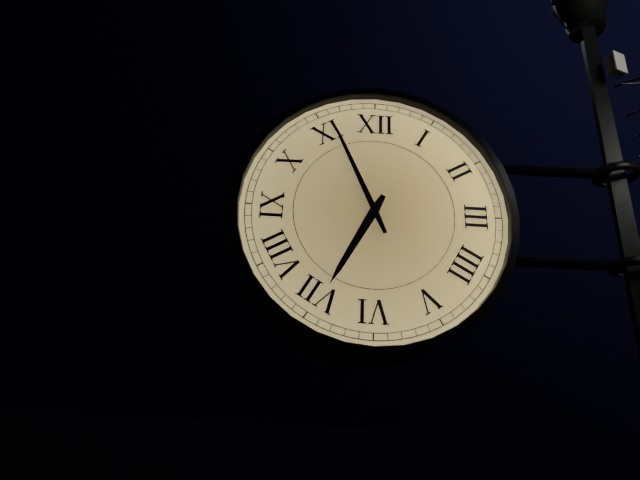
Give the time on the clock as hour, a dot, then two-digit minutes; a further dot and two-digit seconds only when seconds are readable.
6.56
